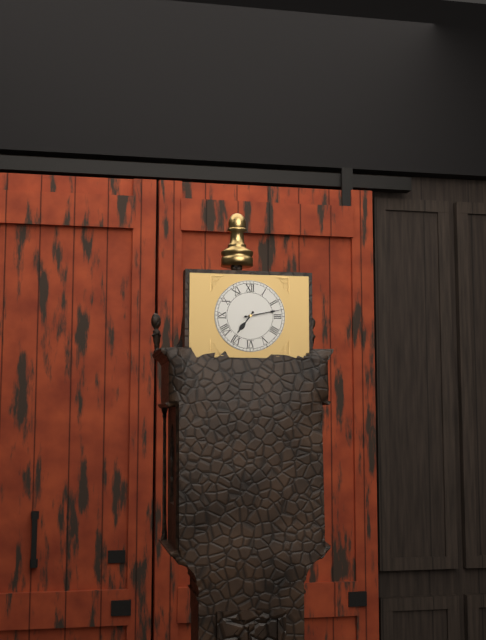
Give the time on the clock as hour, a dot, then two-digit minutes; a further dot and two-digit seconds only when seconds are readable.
7.13
